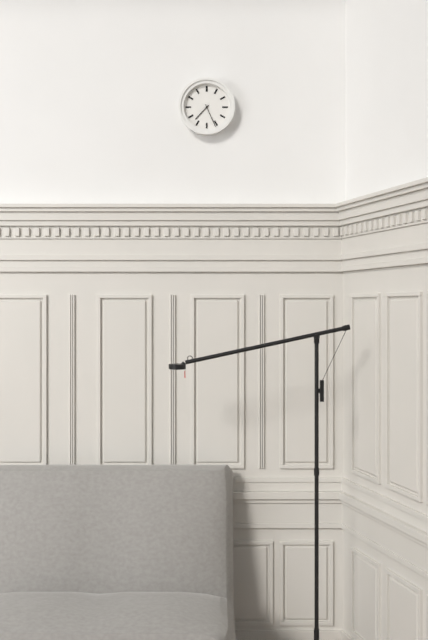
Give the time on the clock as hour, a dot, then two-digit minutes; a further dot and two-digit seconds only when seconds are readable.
7.26
